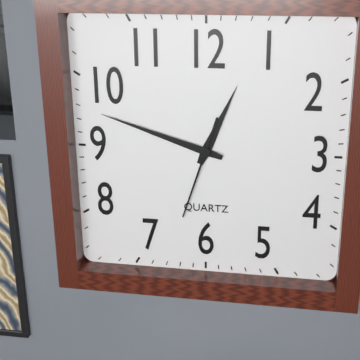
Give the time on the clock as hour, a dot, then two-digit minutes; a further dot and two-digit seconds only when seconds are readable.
12.48.33
